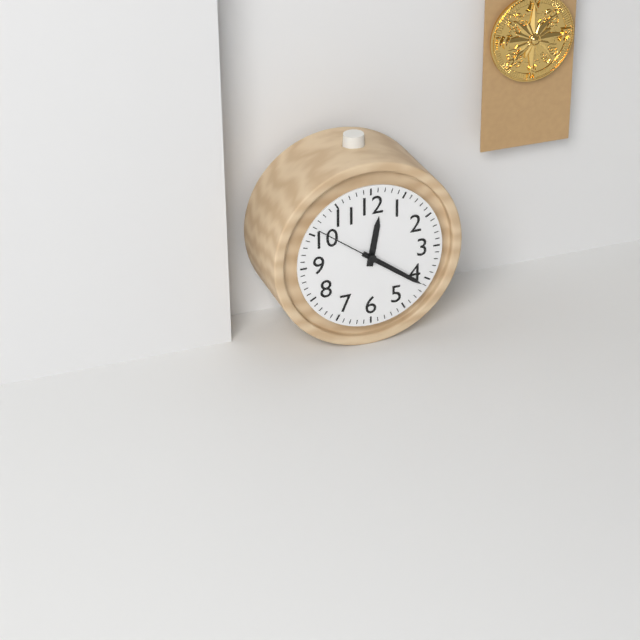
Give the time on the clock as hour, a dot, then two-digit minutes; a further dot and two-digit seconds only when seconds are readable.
12.21.51
